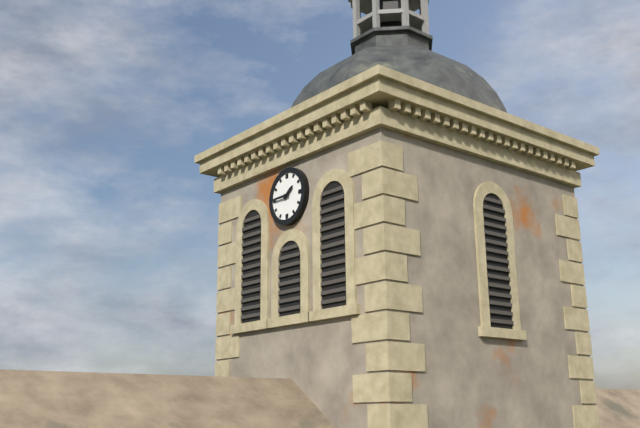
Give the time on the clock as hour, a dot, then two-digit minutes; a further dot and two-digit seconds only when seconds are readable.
1.45
